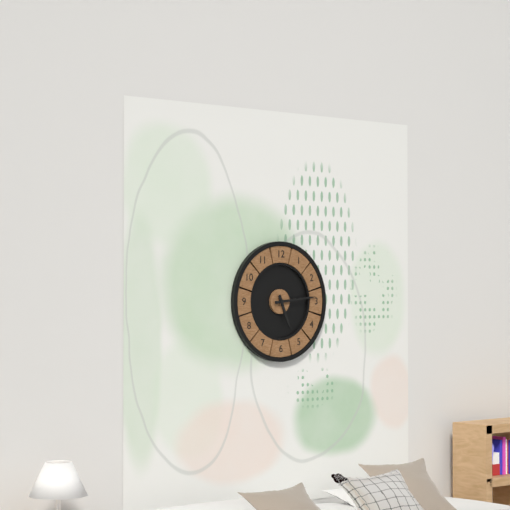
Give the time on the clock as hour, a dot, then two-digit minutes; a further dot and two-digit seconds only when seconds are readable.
5.14
